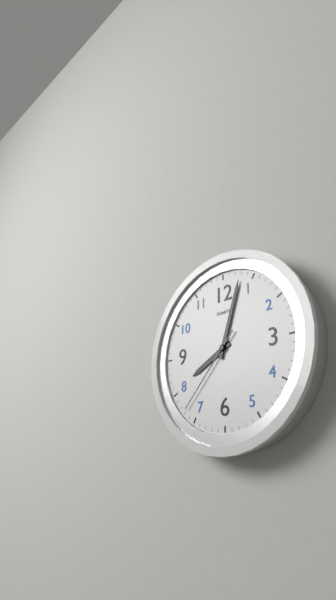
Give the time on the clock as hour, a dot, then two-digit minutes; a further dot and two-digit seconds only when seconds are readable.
8.03.37
